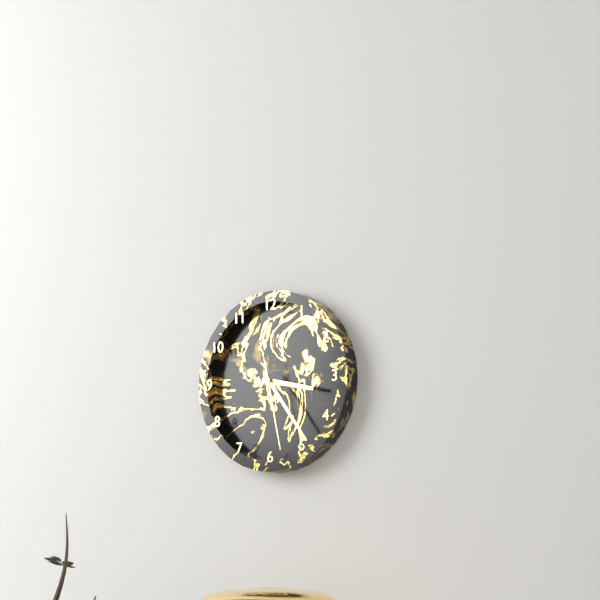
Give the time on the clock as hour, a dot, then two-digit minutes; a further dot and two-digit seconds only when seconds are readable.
3.24.28
